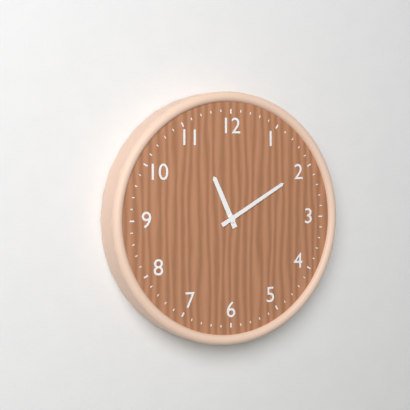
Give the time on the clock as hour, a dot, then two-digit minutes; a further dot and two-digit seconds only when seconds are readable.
11.10
